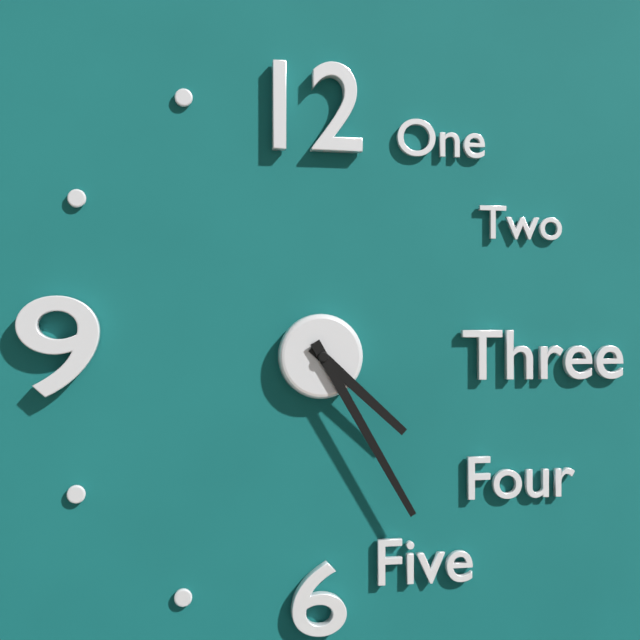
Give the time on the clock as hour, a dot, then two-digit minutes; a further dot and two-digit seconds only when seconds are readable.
4.25
